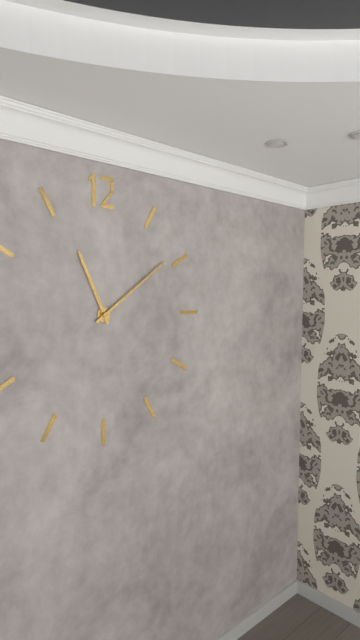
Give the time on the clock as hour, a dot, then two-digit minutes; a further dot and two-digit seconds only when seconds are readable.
11.09
